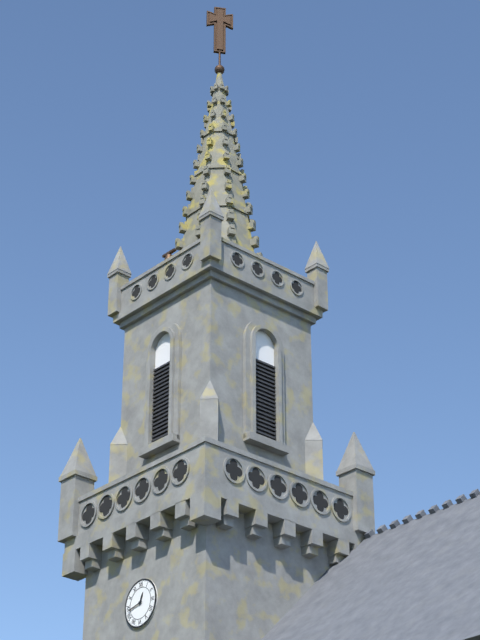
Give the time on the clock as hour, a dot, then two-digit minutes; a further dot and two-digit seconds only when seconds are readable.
12.43
